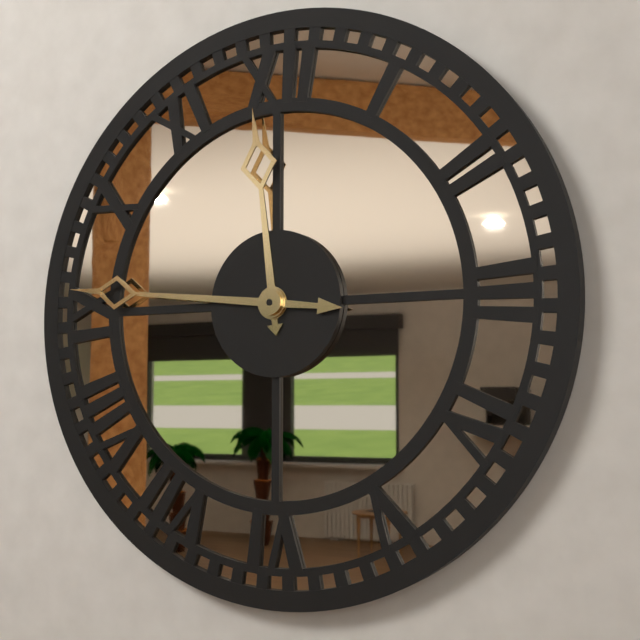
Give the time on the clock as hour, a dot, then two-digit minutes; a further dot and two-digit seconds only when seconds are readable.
11.46
